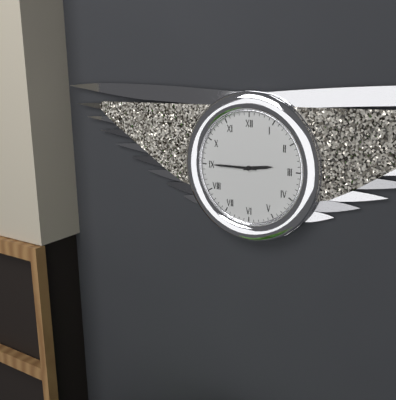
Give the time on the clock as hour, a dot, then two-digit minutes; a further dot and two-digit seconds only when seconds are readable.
2.45
